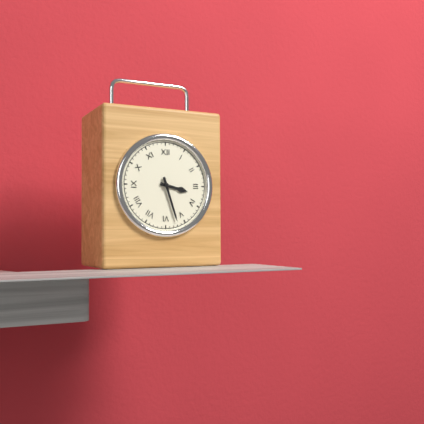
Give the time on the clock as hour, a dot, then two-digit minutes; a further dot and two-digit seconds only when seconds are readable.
3.27
